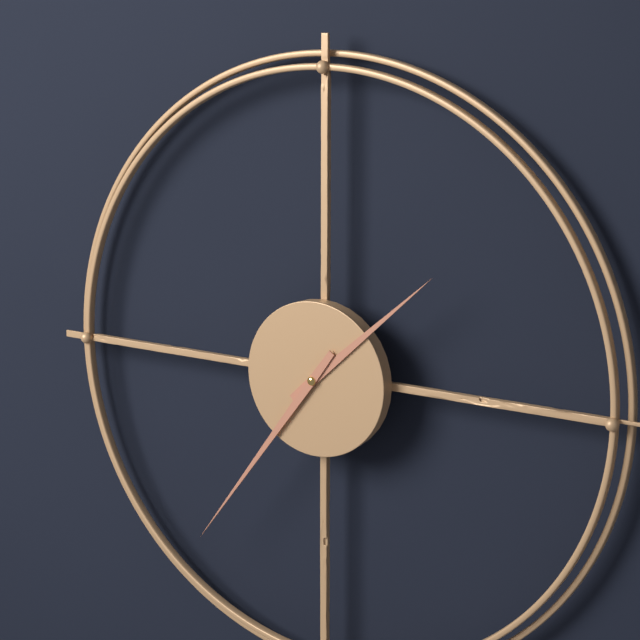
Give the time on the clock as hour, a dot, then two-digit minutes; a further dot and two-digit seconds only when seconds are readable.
1.36
